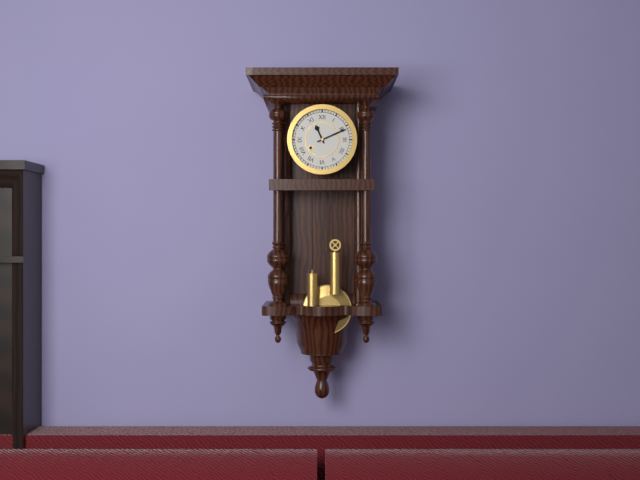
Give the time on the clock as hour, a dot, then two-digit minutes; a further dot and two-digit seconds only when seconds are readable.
11.11
